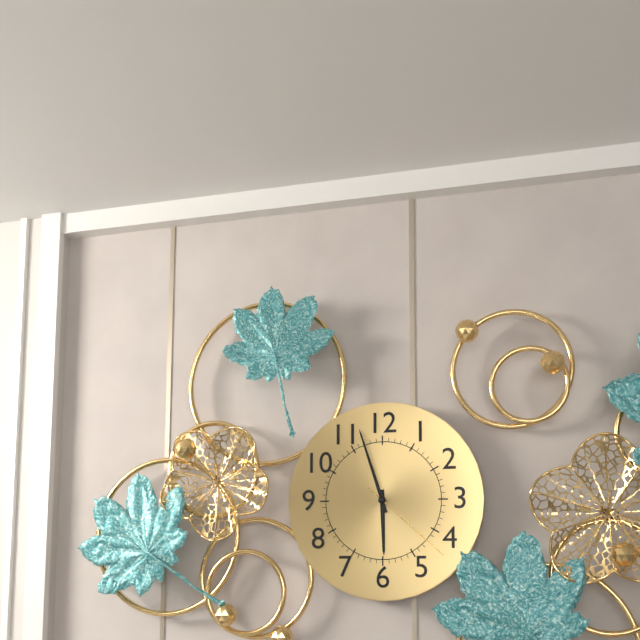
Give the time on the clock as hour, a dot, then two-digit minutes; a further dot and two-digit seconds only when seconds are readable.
5.57.22
